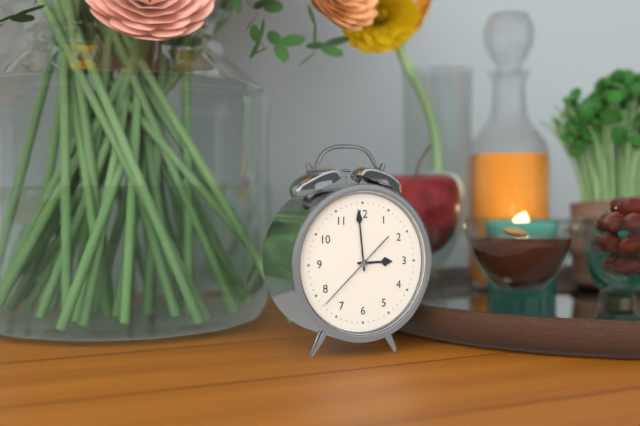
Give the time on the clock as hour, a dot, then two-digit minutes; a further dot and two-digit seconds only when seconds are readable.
2.59.38
